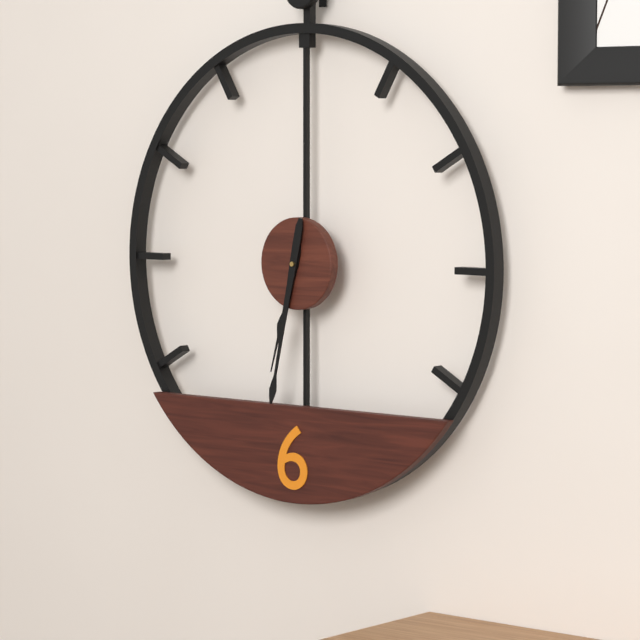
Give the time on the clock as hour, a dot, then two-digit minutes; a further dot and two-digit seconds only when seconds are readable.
6.32
